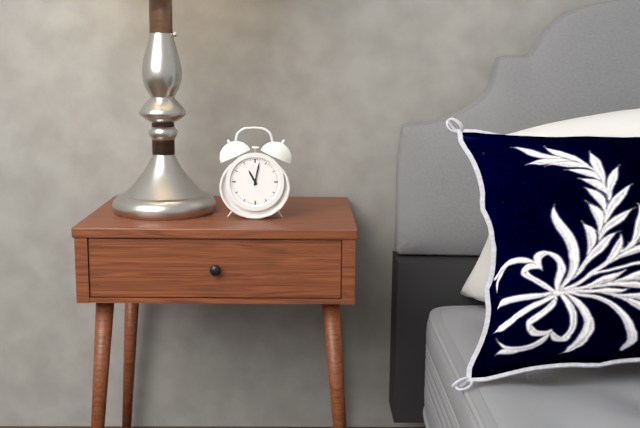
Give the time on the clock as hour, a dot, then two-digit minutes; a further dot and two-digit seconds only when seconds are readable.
11.02
